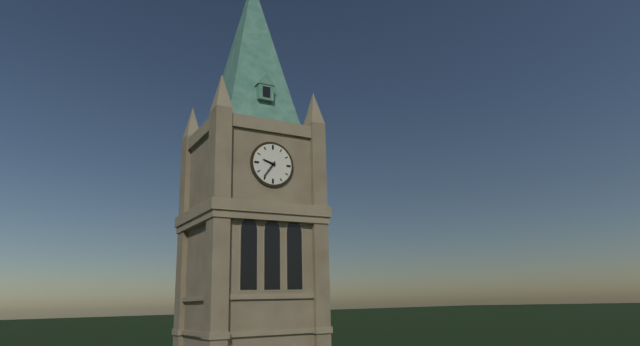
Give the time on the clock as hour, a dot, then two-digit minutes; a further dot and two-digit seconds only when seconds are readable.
9.36
